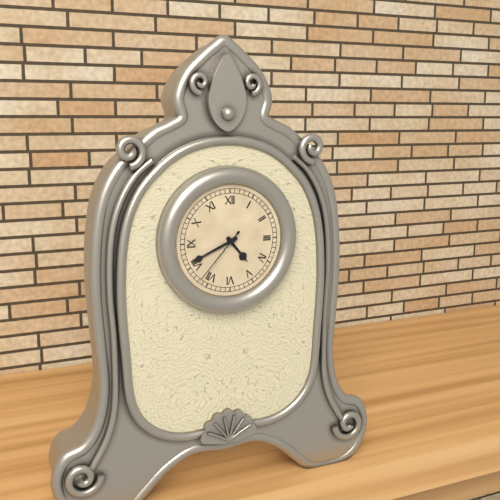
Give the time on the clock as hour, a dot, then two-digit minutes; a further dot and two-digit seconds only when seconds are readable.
4.41.37
